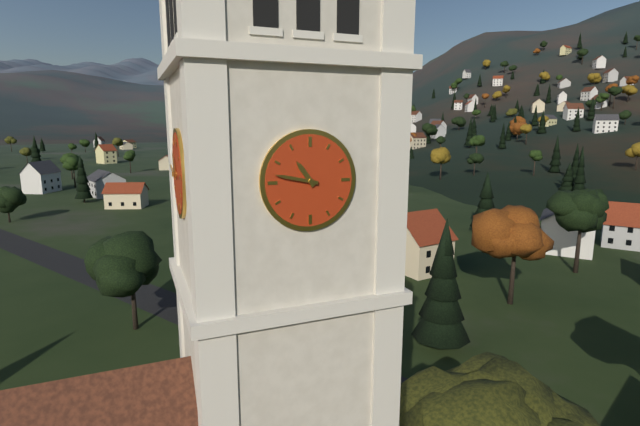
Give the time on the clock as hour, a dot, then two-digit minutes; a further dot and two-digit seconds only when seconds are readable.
10.47
